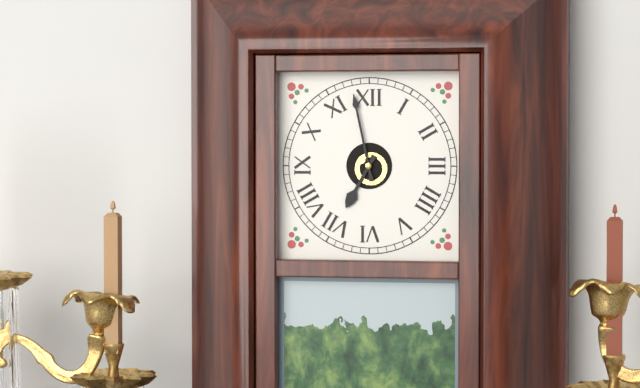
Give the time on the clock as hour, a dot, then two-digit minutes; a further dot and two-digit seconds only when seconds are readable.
6.58
